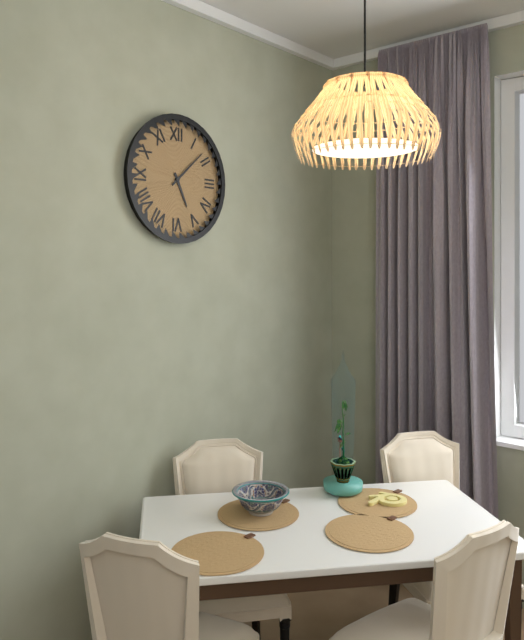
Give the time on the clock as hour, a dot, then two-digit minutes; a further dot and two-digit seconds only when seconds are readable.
5.08
